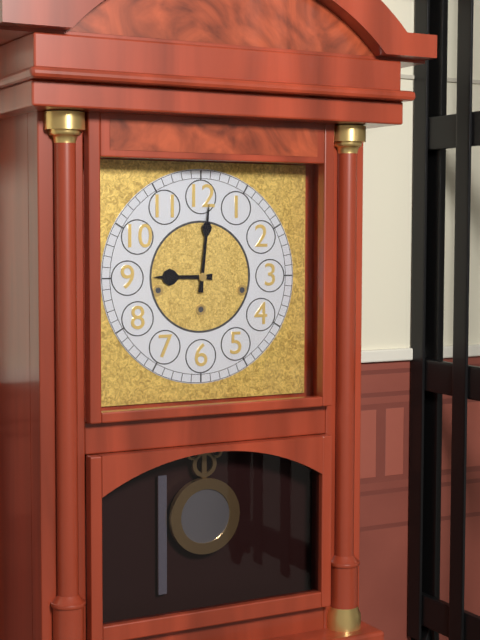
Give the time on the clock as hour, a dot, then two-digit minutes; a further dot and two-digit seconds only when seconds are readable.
9.01
